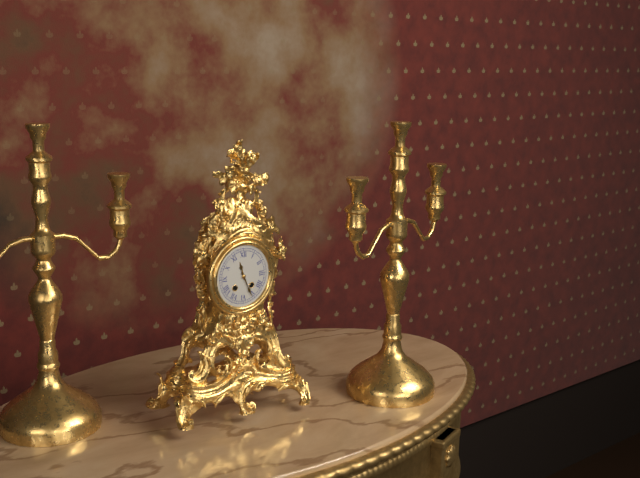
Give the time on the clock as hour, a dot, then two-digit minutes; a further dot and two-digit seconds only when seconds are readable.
11.26
